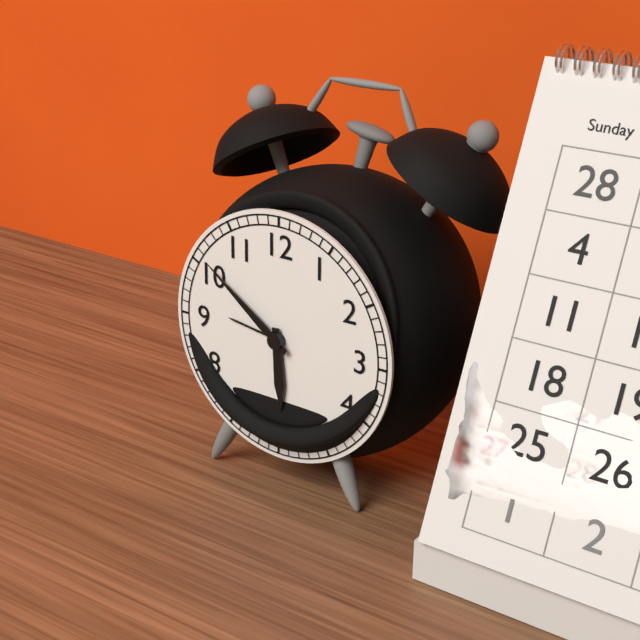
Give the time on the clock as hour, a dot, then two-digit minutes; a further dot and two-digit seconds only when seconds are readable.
5.51
